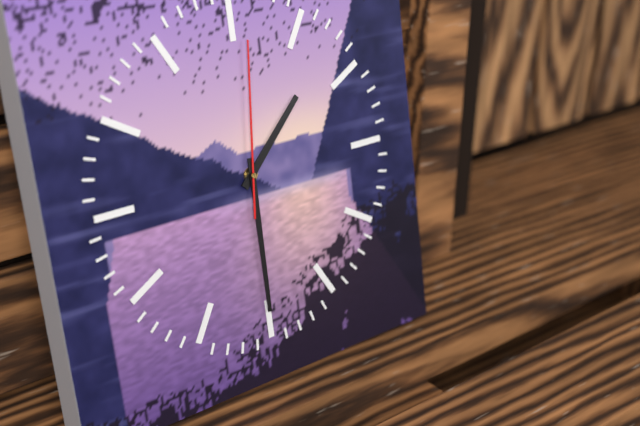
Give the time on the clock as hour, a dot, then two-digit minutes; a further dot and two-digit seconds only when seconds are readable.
1.30.01
